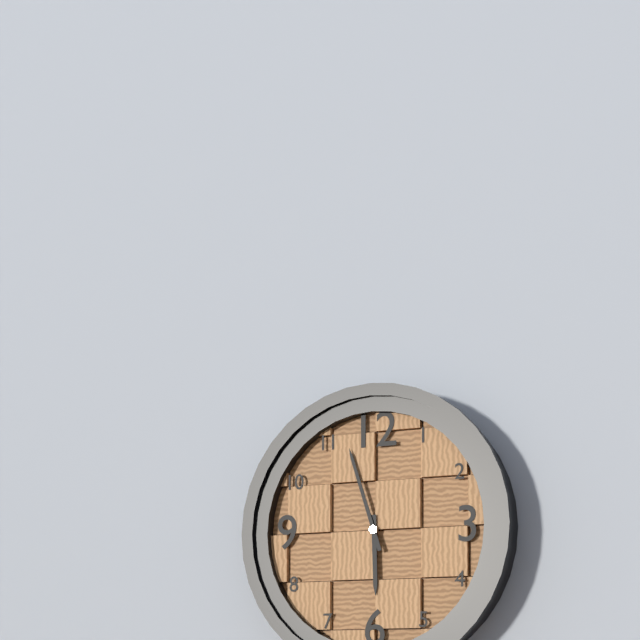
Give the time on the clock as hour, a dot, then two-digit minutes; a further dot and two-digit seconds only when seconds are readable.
5.57
